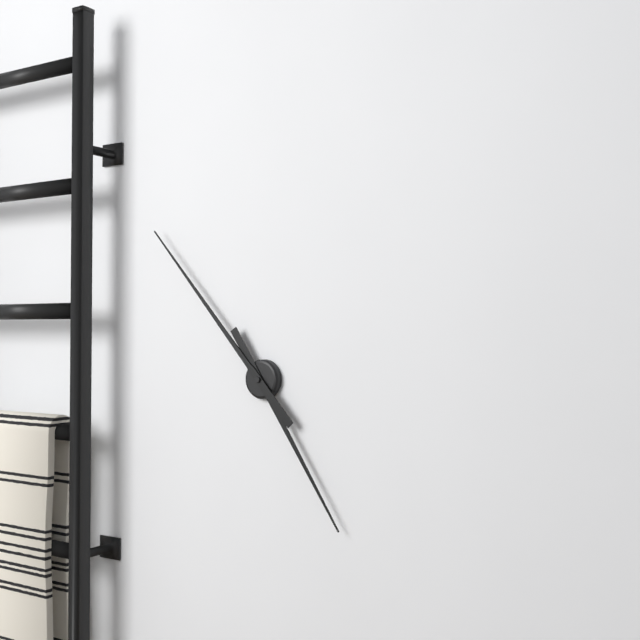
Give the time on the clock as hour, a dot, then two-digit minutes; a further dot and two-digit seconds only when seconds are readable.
4.53
